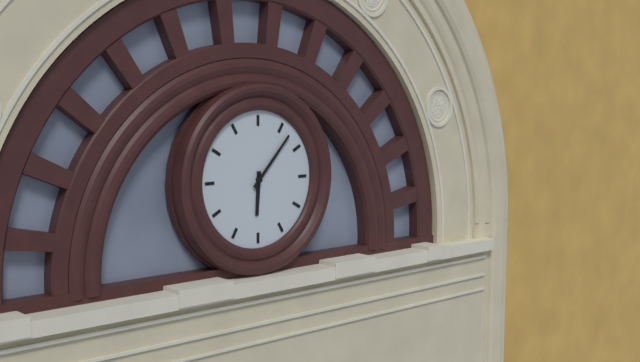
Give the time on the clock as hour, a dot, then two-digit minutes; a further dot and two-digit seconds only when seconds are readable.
6.07
